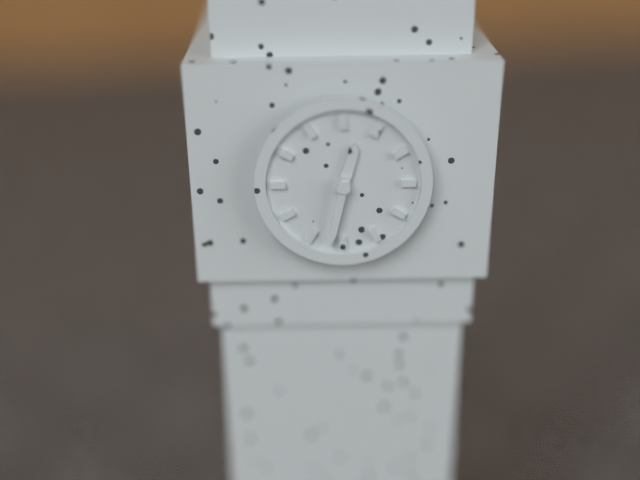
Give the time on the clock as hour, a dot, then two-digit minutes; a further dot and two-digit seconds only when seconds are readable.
12.32
